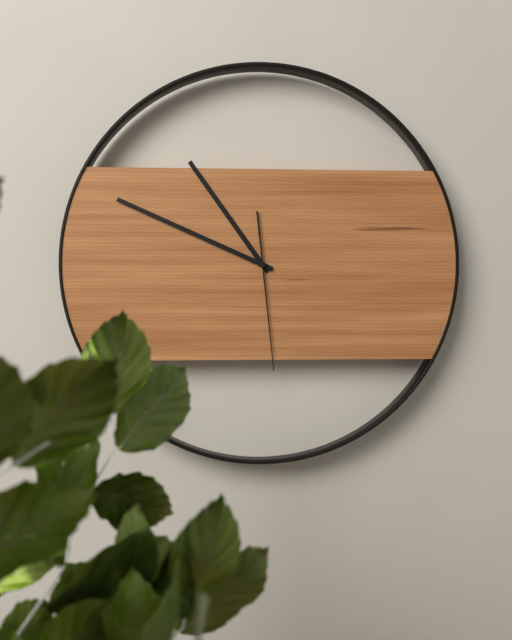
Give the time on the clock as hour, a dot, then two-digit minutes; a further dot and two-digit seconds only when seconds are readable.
10.49.29
